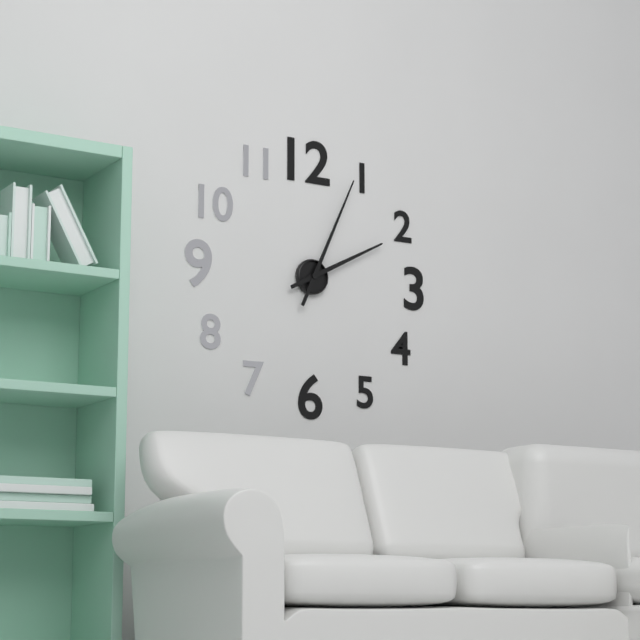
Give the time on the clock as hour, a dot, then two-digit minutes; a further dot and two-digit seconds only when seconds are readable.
2.04
